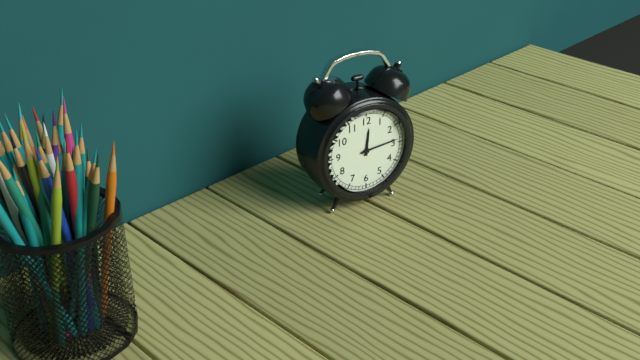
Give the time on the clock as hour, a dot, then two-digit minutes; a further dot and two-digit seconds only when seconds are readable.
12.14
